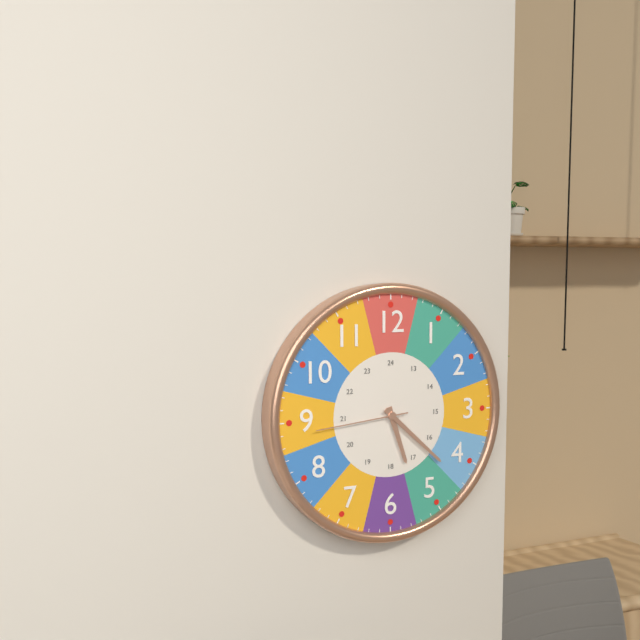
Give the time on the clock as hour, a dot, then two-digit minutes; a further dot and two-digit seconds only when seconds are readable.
5.22.44
